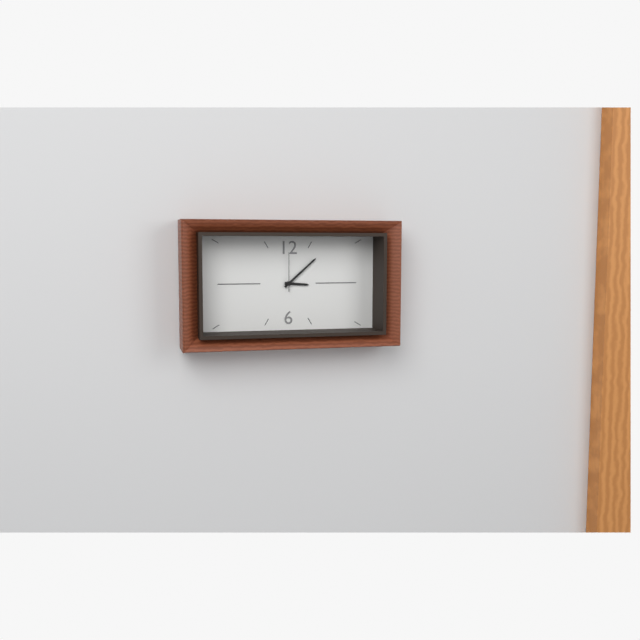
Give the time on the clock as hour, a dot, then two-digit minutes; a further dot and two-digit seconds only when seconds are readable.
3.08
